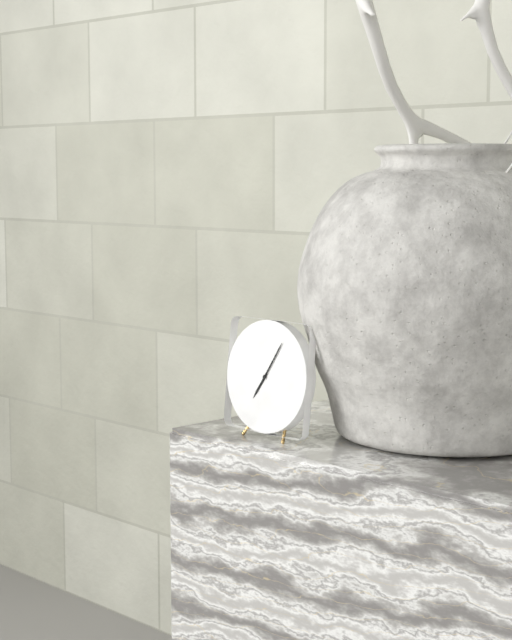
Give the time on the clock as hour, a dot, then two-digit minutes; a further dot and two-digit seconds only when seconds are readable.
7.05
